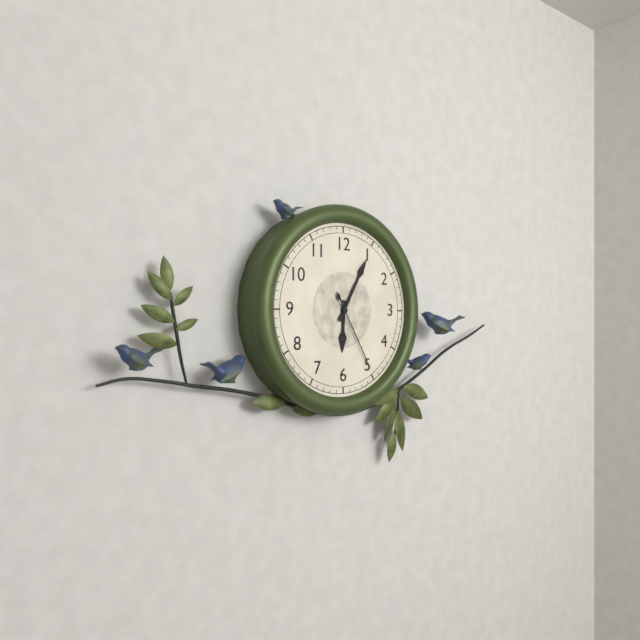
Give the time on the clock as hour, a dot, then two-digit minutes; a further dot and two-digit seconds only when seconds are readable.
6.05.25
